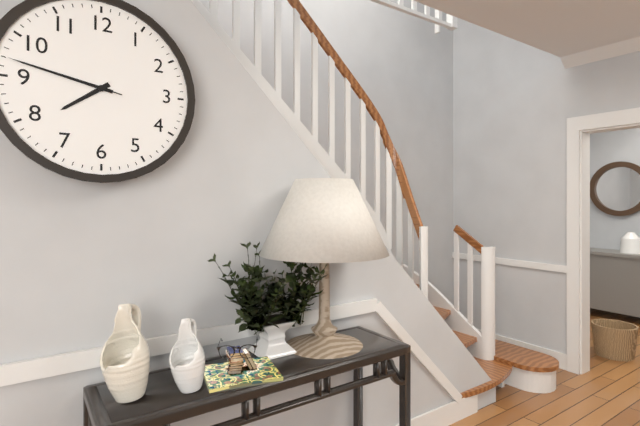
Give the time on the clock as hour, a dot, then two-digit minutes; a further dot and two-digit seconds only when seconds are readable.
7.47.47
